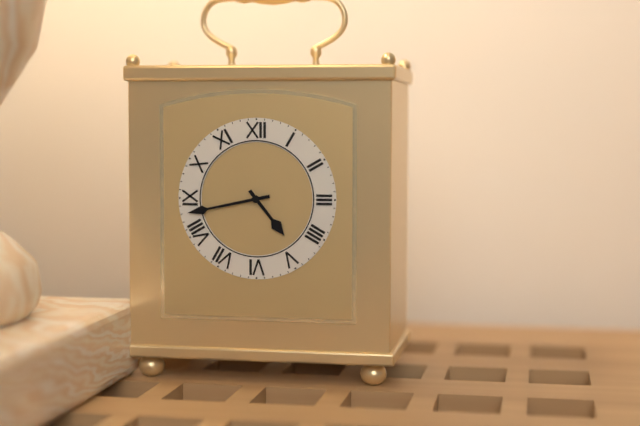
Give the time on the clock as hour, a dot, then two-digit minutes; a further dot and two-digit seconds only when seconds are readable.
4.43
